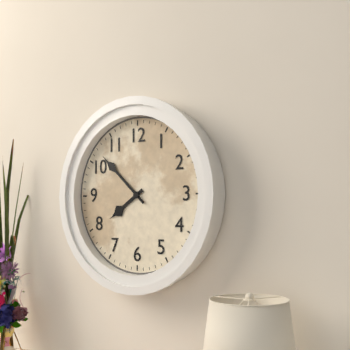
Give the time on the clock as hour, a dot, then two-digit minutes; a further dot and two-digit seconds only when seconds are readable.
7.52
